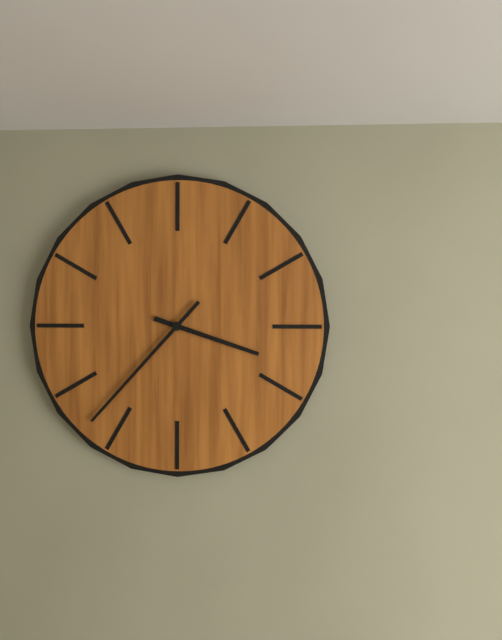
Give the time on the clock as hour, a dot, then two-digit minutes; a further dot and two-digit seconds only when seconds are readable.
3.37
